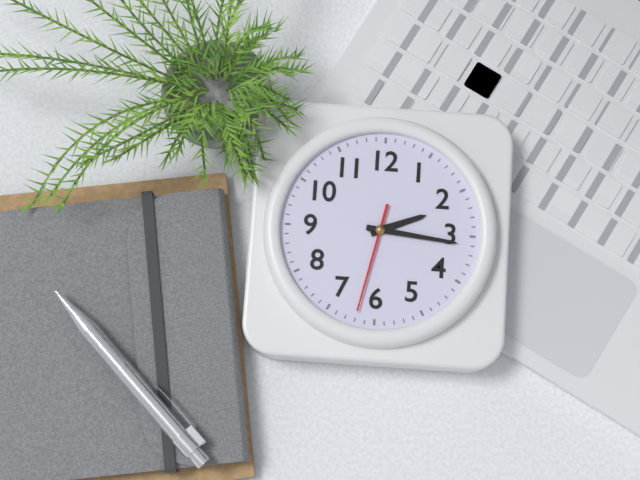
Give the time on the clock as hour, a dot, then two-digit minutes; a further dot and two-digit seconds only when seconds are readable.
2.16.32
